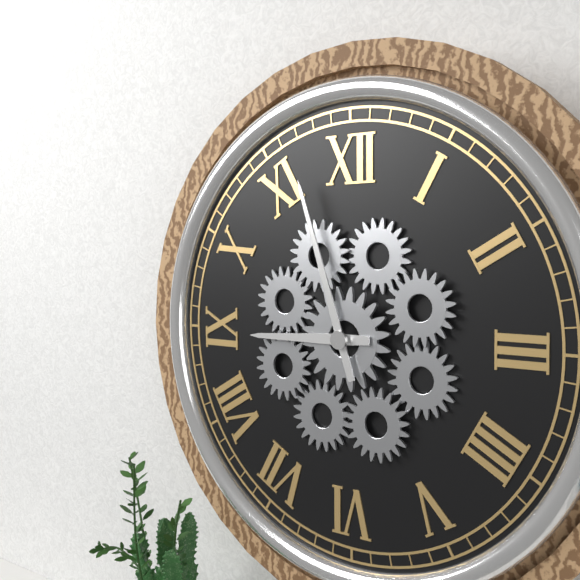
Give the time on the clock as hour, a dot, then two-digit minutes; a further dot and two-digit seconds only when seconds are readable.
8.57
